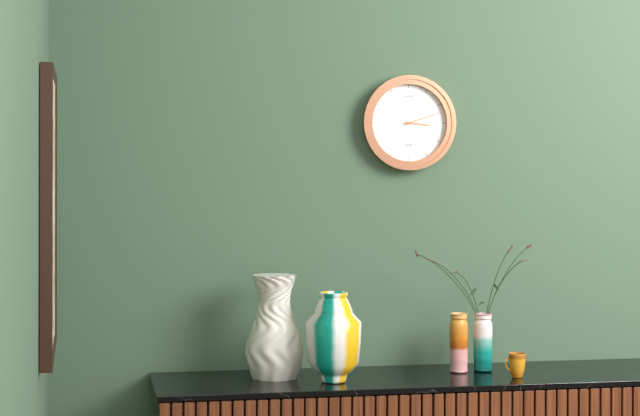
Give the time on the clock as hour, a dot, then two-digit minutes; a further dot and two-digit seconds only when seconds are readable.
3.12
